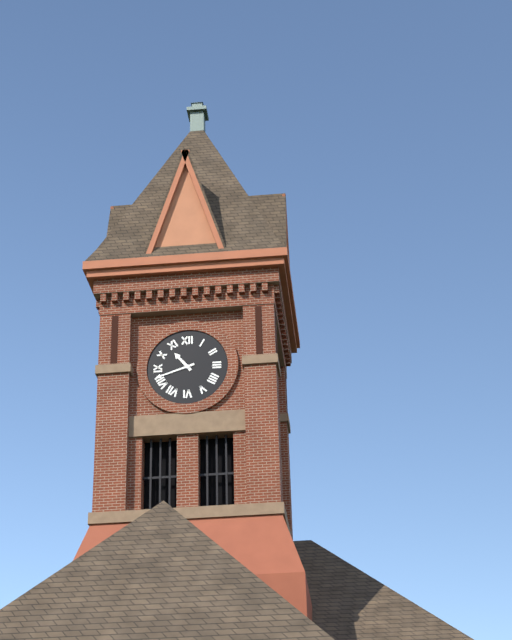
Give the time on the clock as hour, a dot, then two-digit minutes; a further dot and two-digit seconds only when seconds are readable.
10.42
